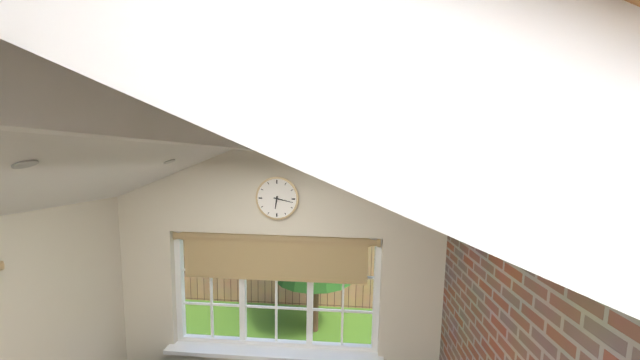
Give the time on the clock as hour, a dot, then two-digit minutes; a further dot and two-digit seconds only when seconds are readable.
6.17
